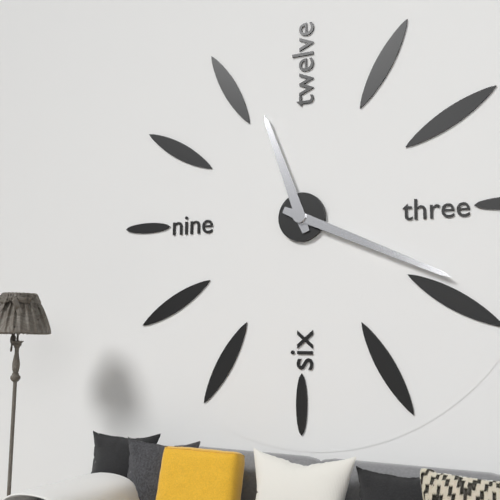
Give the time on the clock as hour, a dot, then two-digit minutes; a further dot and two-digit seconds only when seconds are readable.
11.19
